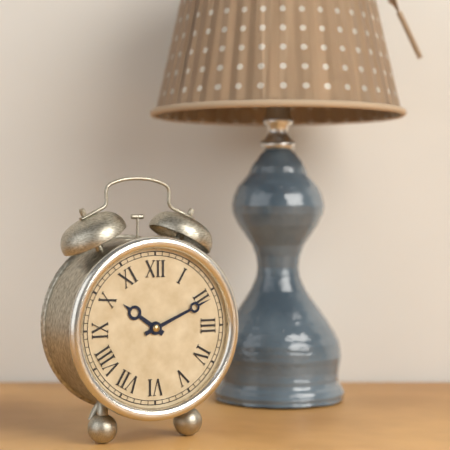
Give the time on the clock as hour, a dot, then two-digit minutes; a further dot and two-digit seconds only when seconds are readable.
10.11
